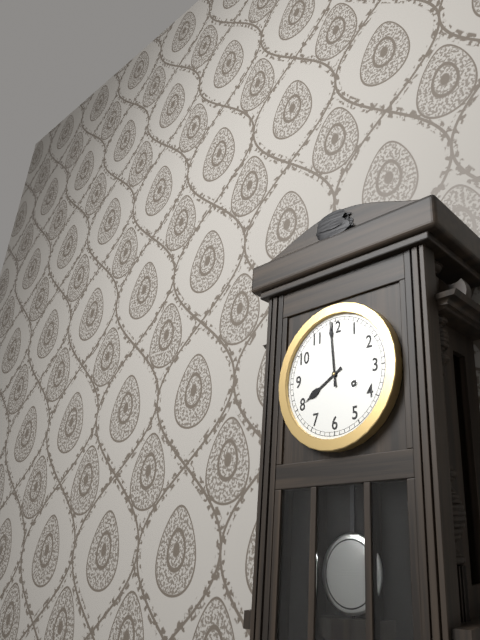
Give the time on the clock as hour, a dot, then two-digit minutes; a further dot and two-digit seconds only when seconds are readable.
7.59
